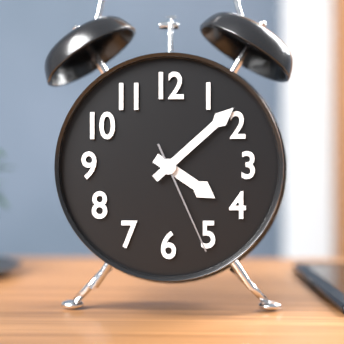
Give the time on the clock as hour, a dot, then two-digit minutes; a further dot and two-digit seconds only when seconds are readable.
4.08.26
